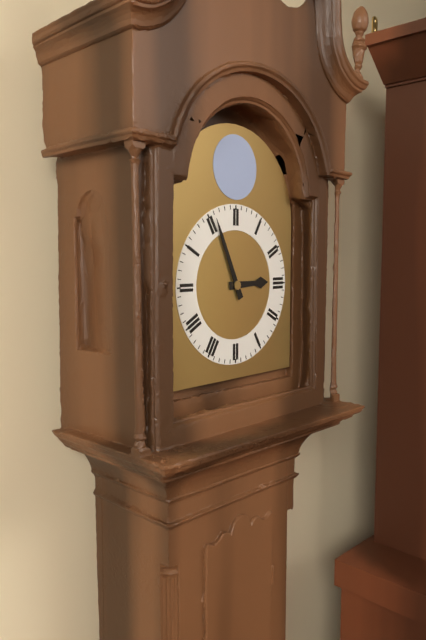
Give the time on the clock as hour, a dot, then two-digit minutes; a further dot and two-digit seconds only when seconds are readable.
2.56
